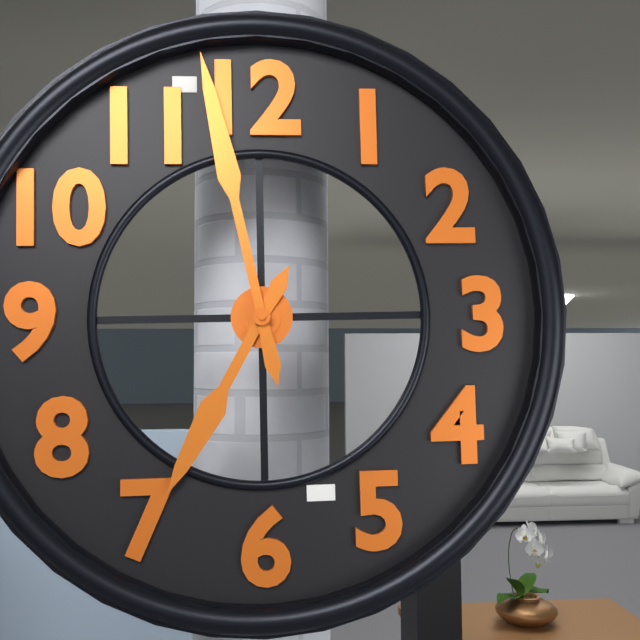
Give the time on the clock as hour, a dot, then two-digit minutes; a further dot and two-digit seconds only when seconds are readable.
6.58
